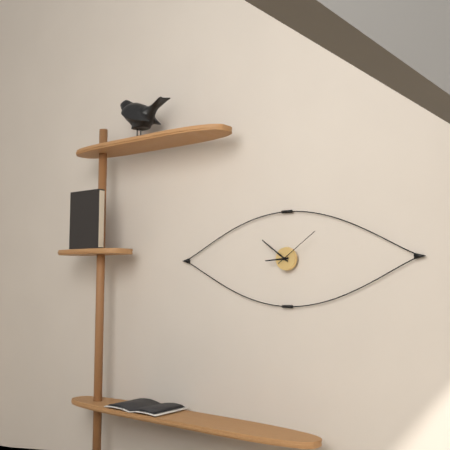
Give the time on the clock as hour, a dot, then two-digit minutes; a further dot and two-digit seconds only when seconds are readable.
8.51
